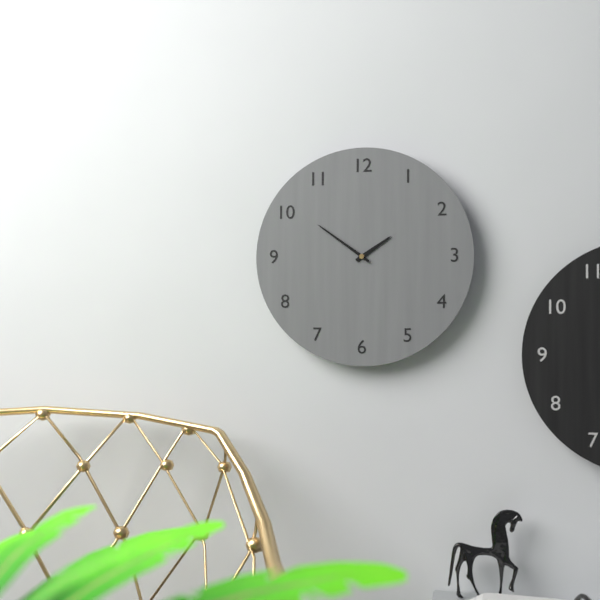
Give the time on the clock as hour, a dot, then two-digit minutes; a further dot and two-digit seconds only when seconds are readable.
1.51
